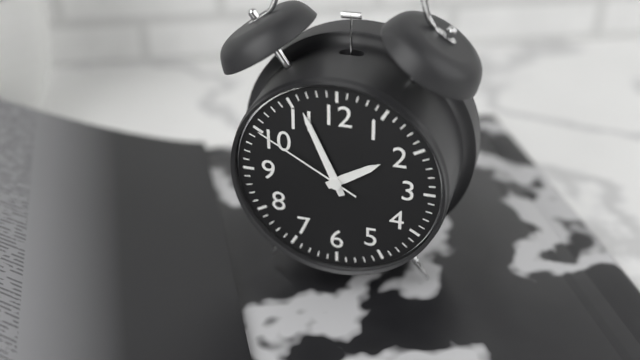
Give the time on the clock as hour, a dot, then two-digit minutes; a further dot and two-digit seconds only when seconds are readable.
1.56.50
